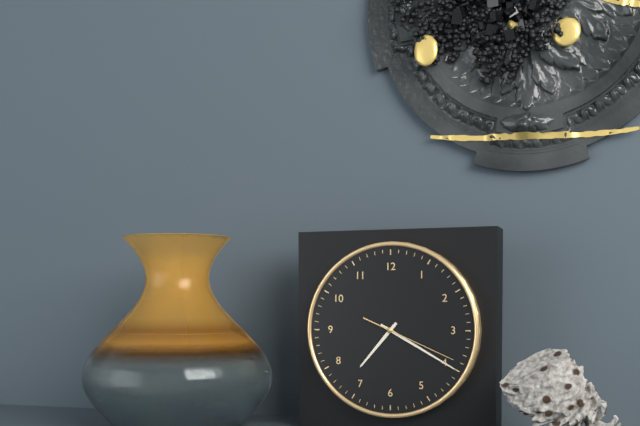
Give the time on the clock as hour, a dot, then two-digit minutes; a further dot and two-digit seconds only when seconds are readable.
7.20.19
